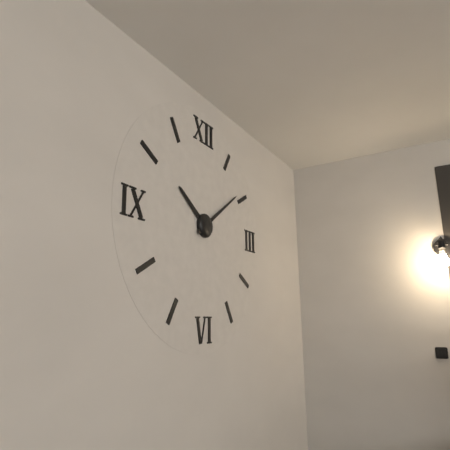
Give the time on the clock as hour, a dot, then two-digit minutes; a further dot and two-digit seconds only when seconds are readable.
10.09
